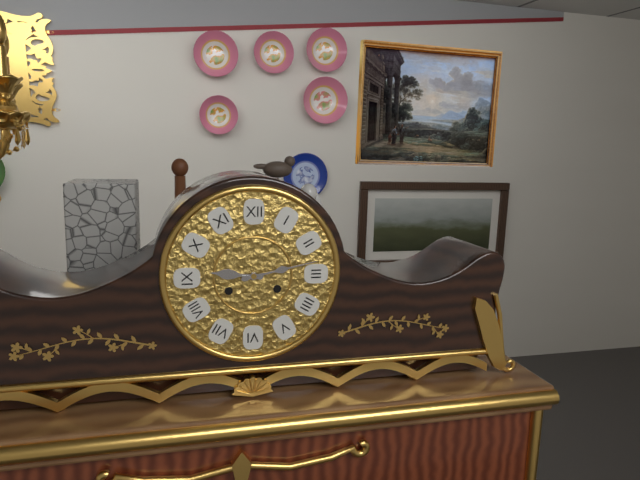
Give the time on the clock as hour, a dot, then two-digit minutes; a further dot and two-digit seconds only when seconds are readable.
9.13
